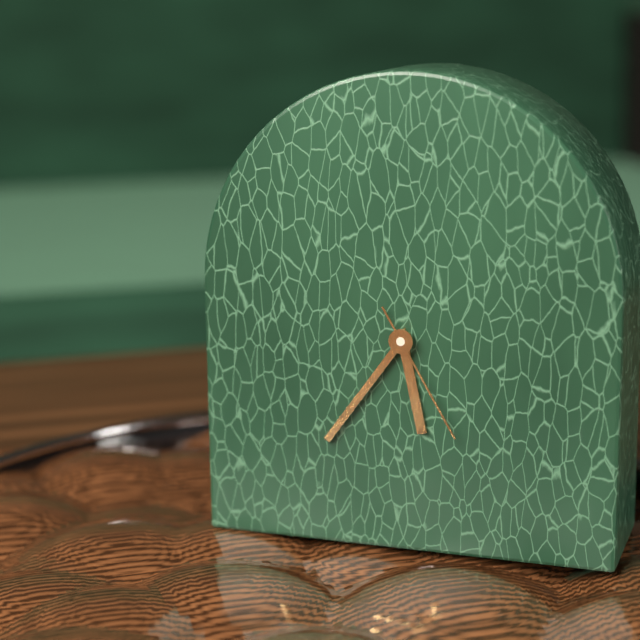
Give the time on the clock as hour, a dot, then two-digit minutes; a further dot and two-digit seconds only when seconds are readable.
5.36.25
